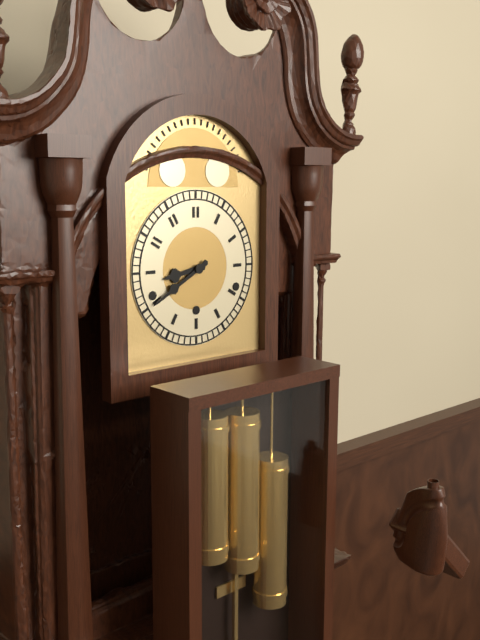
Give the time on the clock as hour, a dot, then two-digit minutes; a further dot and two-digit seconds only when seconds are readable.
8.40
